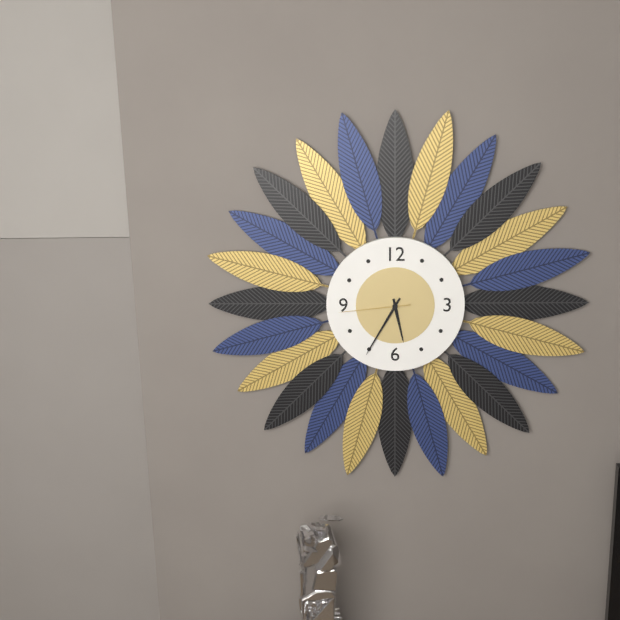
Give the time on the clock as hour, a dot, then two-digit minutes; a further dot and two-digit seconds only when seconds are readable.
5.35.44
